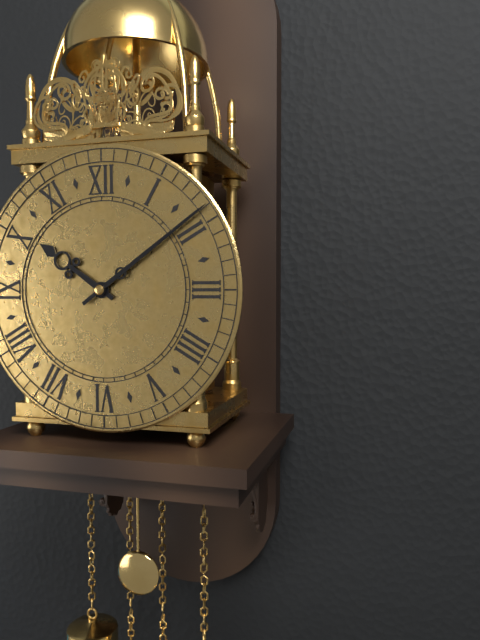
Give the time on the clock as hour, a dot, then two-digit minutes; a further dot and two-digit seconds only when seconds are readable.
10.09
